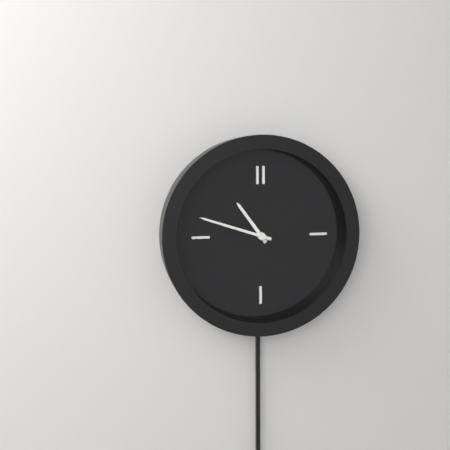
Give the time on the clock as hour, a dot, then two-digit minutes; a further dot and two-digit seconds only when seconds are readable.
10.48
